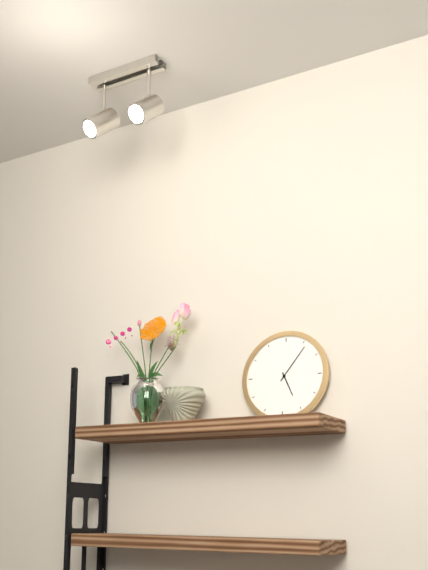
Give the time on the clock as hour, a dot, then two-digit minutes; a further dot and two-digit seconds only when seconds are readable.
5.06
